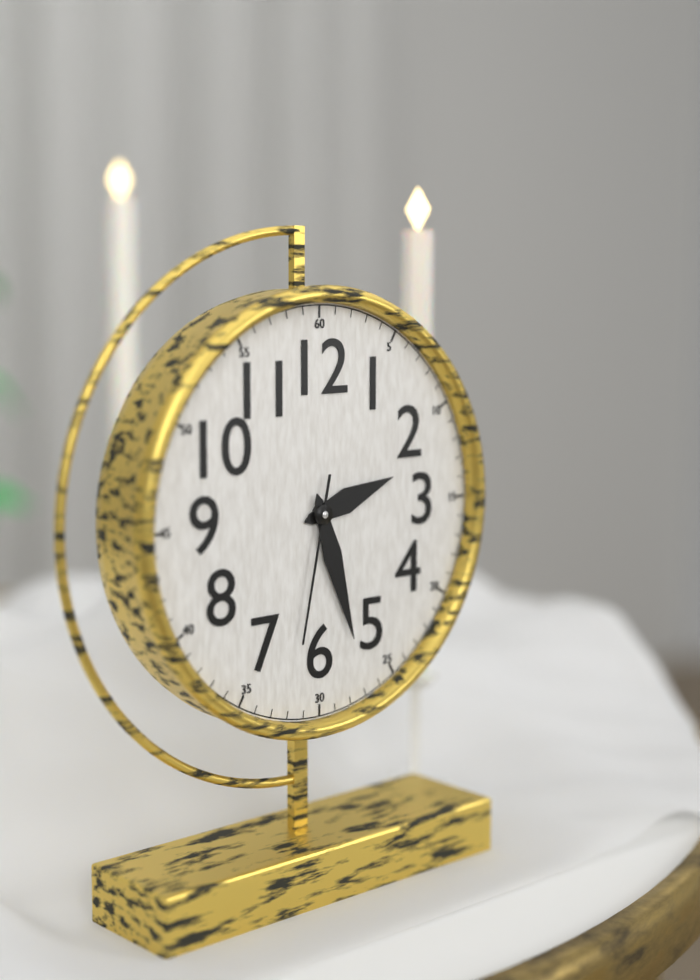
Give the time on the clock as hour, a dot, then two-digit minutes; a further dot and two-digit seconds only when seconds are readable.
2.27.32
